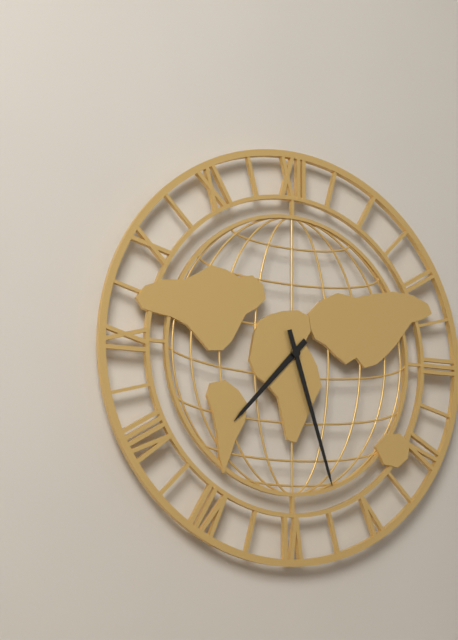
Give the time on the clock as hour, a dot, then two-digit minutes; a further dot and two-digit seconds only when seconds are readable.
7.27
